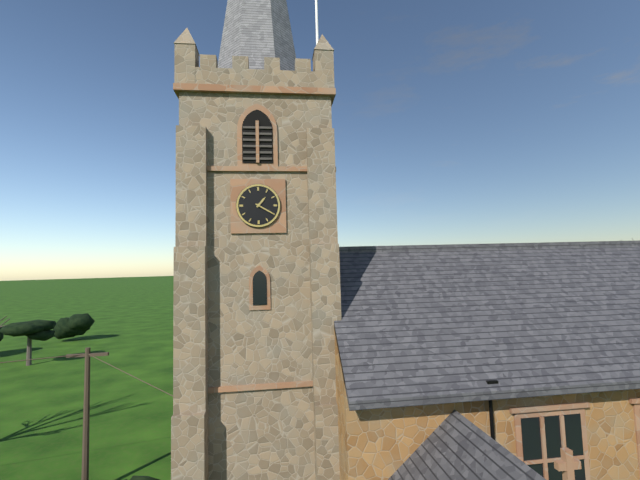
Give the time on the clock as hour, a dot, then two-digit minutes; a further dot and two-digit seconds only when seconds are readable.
1.20
